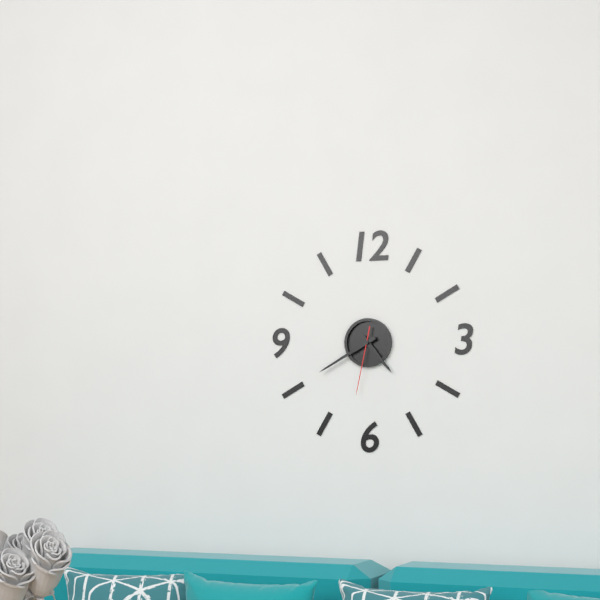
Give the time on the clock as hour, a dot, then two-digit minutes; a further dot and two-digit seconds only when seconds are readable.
4.40.32
